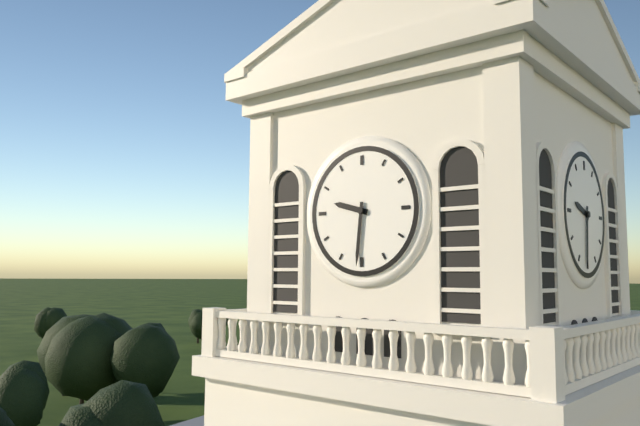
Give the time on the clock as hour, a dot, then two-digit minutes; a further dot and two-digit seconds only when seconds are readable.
9.31
